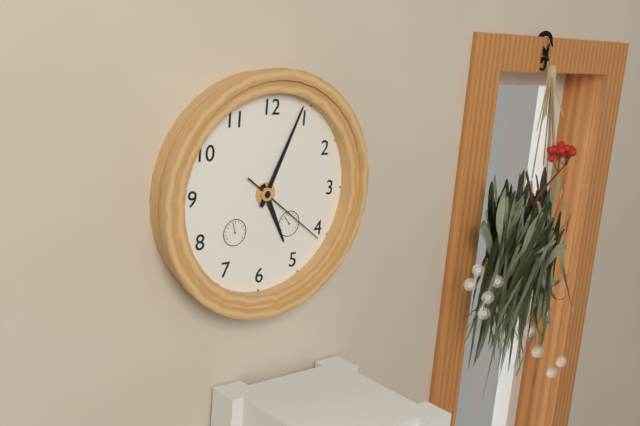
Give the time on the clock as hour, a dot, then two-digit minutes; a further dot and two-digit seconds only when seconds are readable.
5.04.21
